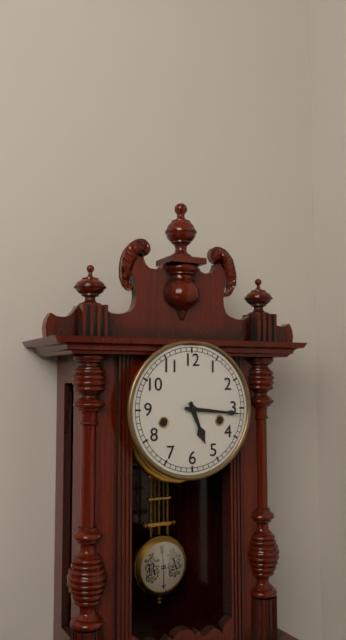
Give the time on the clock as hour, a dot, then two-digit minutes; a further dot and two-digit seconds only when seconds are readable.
5.16
